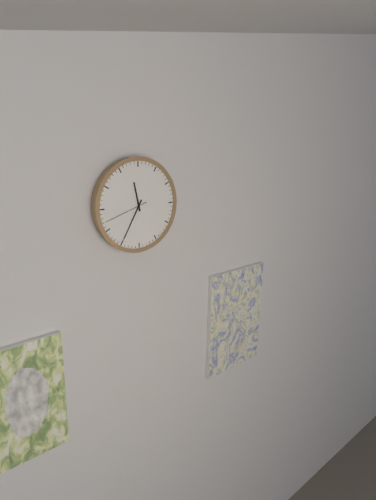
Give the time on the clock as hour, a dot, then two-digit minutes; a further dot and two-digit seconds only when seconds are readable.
11.35
